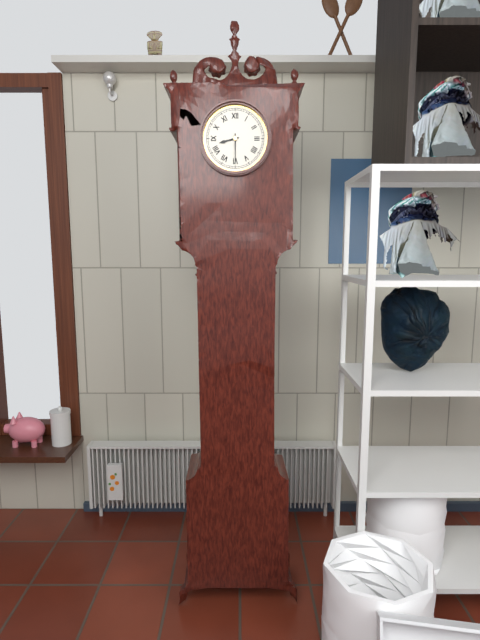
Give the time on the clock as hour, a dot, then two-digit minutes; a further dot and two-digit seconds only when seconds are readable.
8.30
